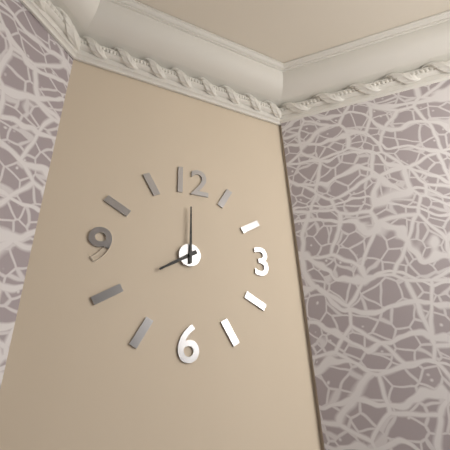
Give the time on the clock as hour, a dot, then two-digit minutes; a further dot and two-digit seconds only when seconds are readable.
8.00
